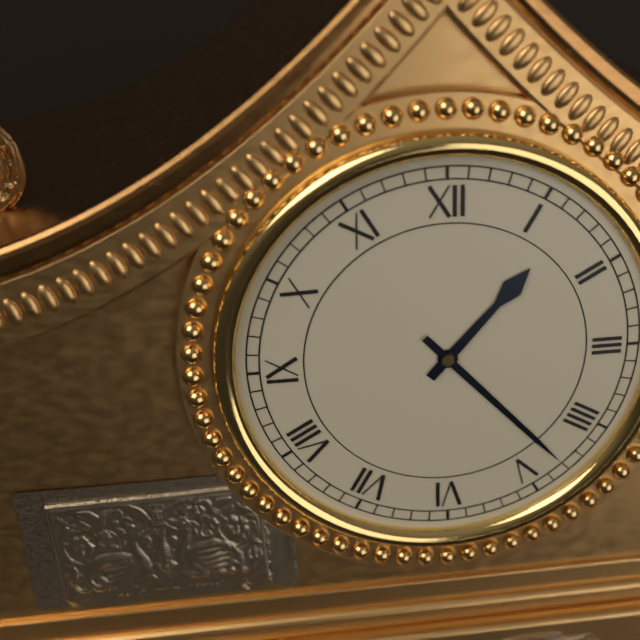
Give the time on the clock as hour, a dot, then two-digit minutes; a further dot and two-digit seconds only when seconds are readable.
1.23
